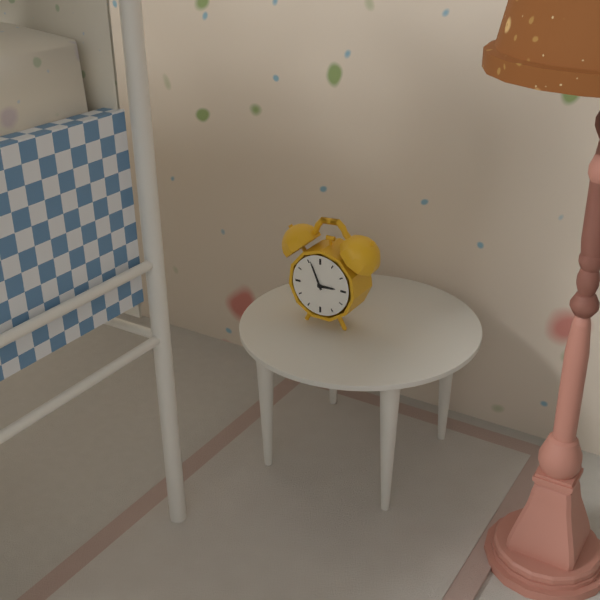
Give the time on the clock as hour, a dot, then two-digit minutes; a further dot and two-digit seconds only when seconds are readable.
2.56
